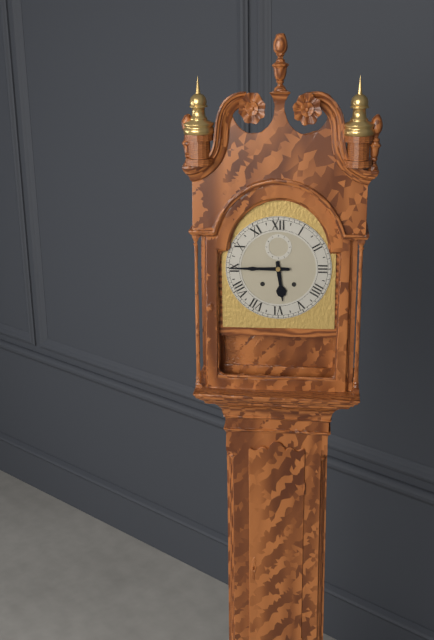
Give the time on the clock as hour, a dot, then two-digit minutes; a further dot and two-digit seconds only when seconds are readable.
5.45
